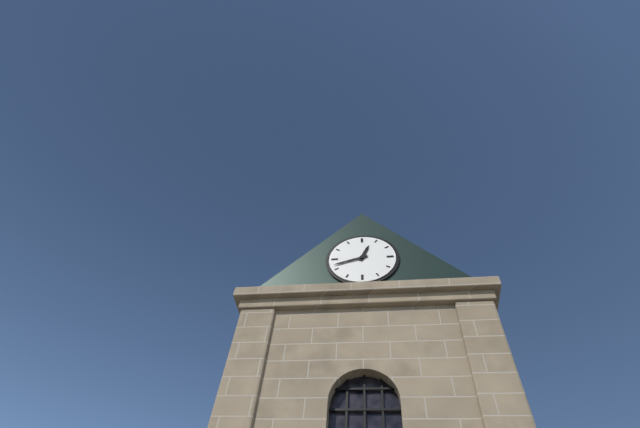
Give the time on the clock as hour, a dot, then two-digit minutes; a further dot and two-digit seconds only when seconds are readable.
12.42
